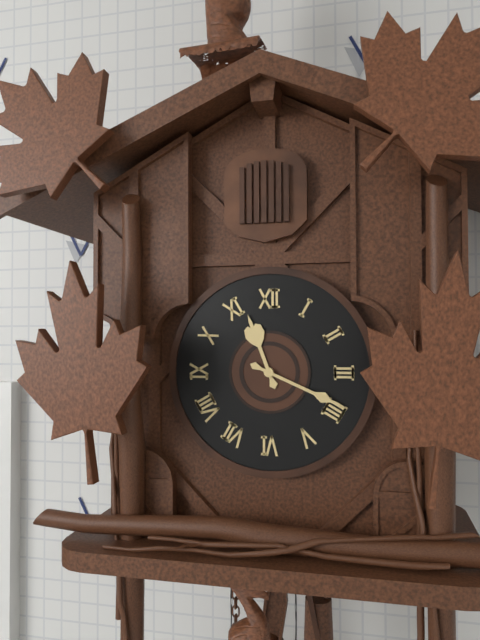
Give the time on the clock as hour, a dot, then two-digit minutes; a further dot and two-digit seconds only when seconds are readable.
11.19
